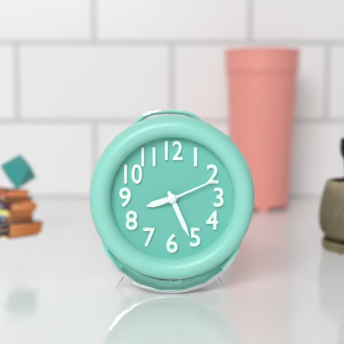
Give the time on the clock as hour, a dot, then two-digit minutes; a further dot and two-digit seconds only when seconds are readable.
8.26.11
